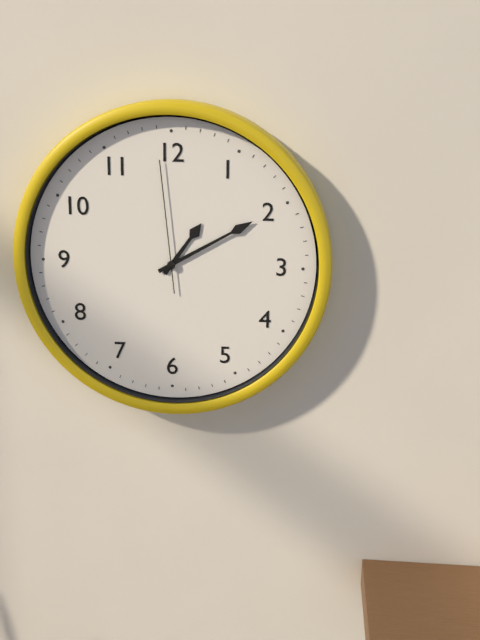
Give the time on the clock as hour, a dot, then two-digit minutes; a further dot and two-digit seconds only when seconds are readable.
1.10.59
